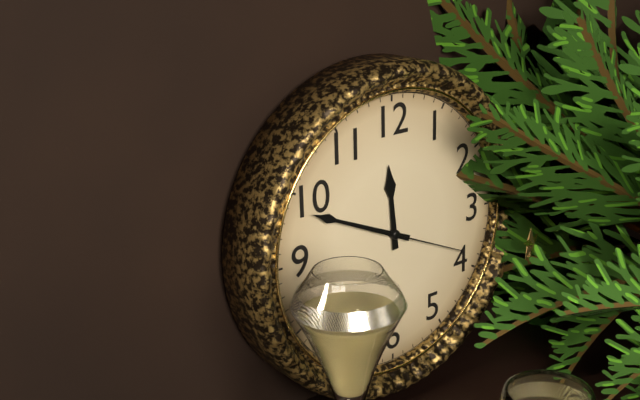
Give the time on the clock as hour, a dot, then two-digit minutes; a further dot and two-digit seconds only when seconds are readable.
11.49.19
